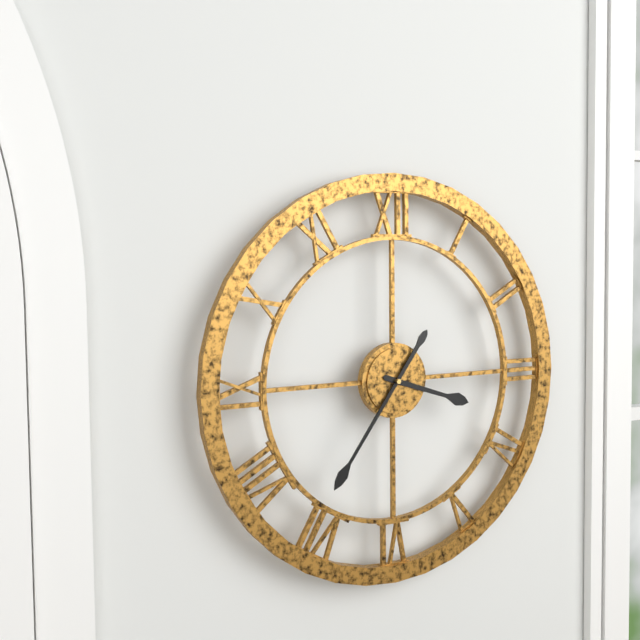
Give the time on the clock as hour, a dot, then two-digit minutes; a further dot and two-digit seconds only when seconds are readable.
3.36
